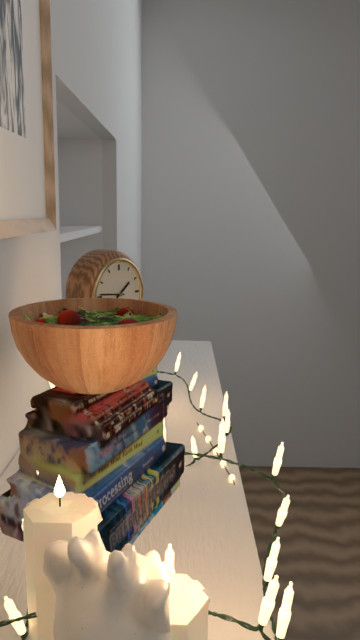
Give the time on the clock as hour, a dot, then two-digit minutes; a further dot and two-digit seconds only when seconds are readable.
1.46
